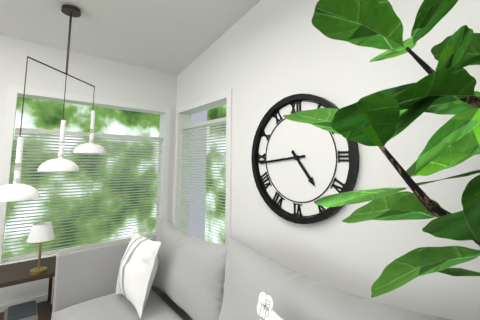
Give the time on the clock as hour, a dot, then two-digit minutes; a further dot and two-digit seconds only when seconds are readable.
4.44
